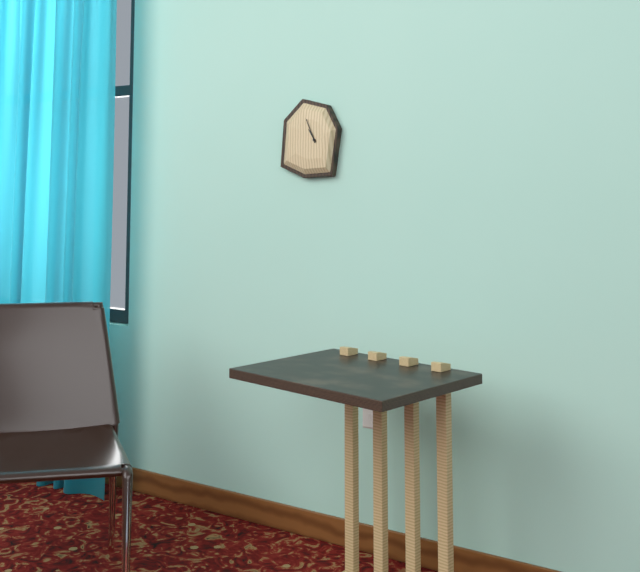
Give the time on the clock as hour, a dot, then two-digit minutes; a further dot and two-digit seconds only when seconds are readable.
10.56
